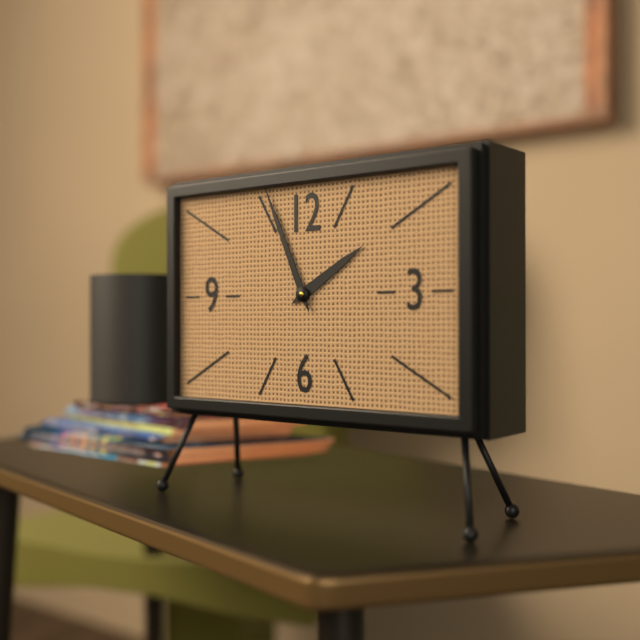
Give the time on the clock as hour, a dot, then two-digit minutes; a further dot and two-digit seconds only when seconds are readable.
1.56
